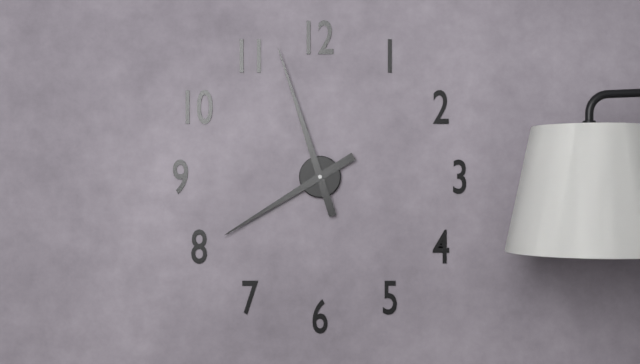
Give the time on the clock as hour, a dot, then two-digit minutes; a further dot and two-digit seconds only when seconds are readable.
7.57
